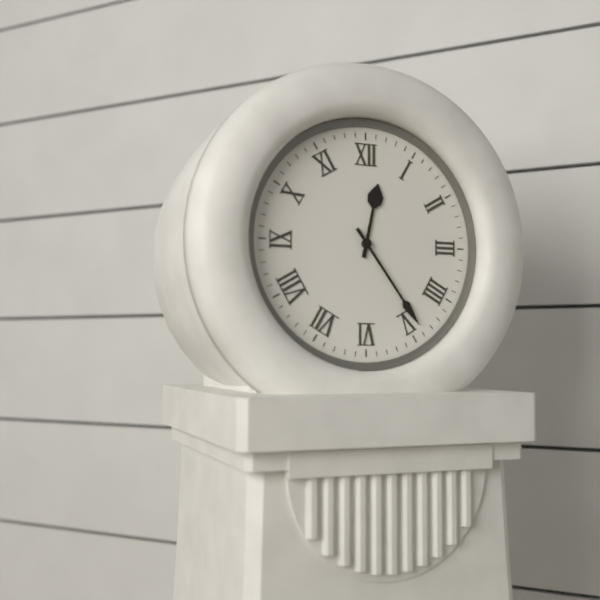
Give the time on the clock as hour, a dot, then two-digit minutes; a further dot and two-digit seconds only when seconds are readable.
12.24
